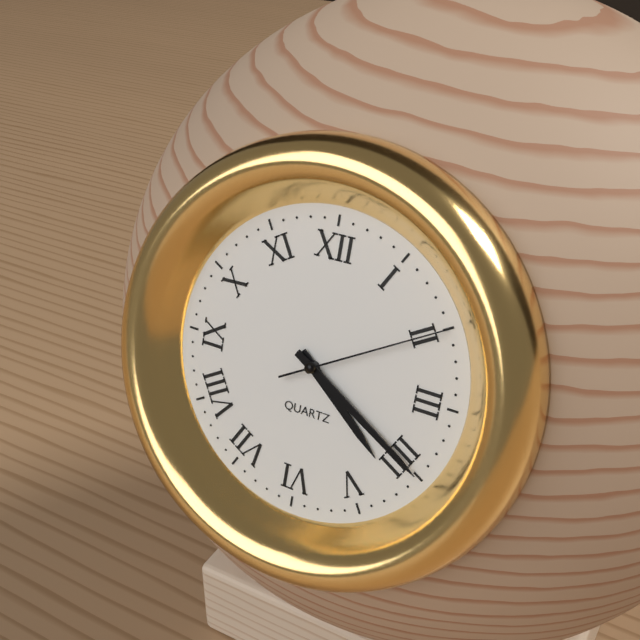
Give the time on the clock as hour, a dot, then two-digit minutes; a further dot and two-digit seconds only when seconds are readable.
4.20.10
